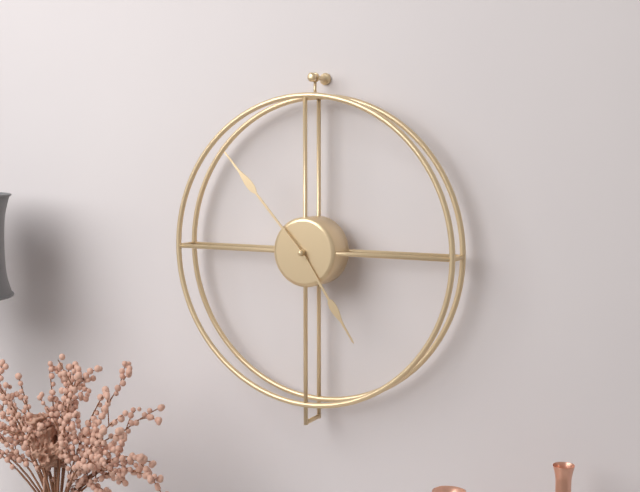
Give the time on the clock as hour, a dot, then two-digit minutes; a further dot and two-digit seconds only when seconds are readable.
4.53
